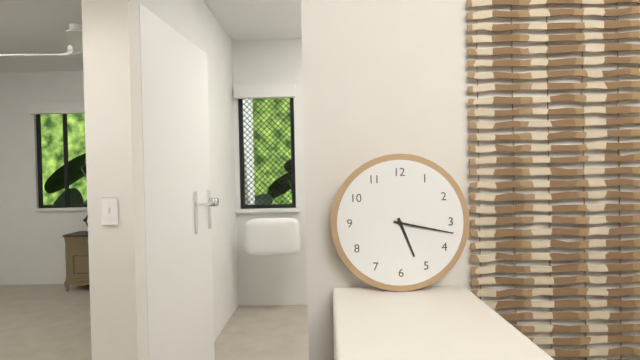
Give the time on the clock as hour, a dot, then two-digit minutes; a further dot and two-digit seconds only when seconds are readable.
5.17
